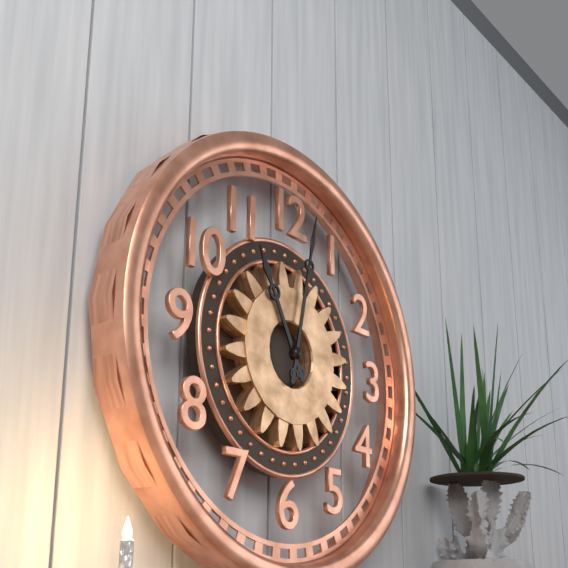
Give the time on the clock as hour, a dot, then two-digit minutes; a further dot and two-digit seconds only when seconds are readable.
11.02
